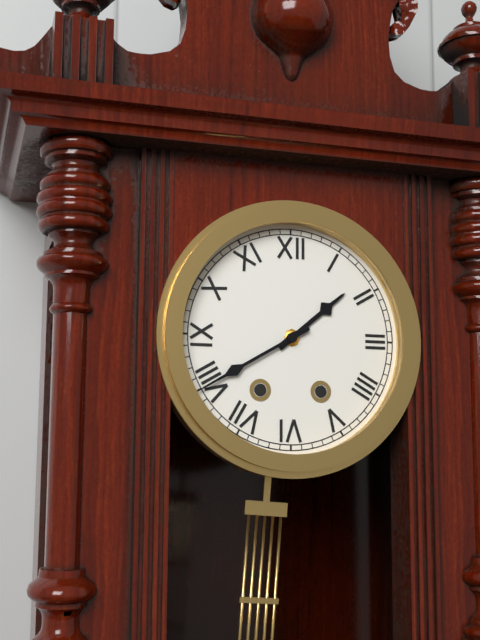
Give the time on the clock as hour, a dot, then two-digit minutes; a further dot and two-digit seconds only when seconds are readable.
1.40
